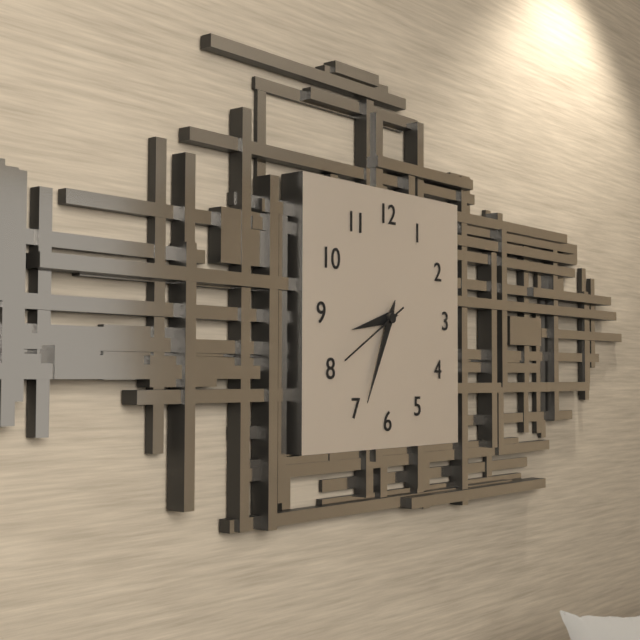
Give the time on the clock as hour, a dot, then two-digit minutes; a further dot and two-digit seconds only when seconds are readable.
8.34.40
